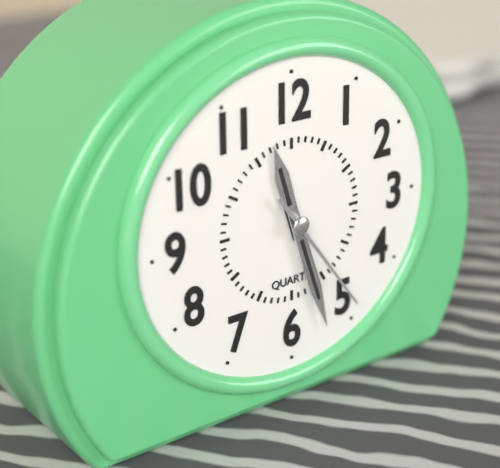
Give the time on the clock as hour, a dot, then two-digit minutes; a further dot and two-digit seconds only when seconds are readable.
11.27.24
